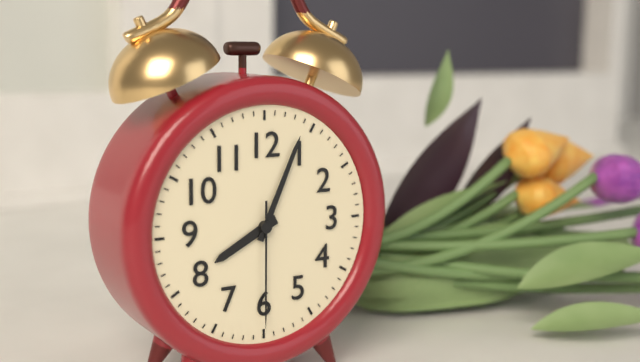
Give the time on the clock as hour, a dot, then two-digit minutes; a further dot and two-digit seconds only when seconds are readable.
8.04.30
